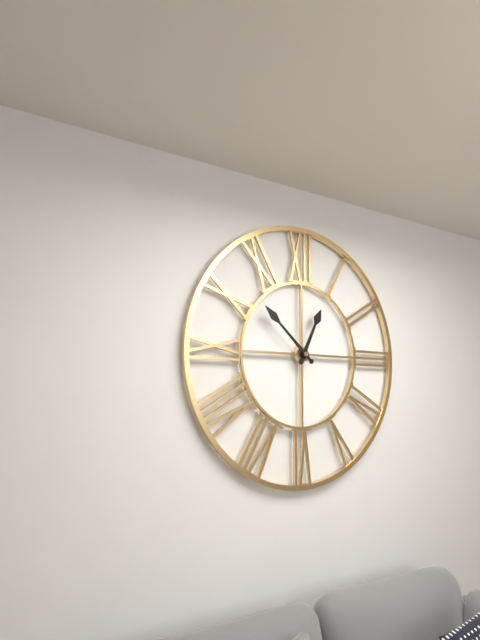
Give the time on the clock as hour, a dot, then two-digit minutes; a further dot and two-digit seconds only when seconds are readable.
12.52
